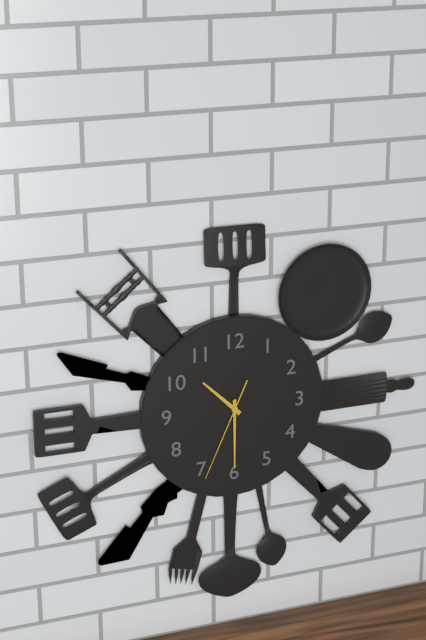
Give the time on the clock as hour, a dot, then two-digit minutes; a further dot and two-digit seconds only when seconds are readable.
10.30.34
